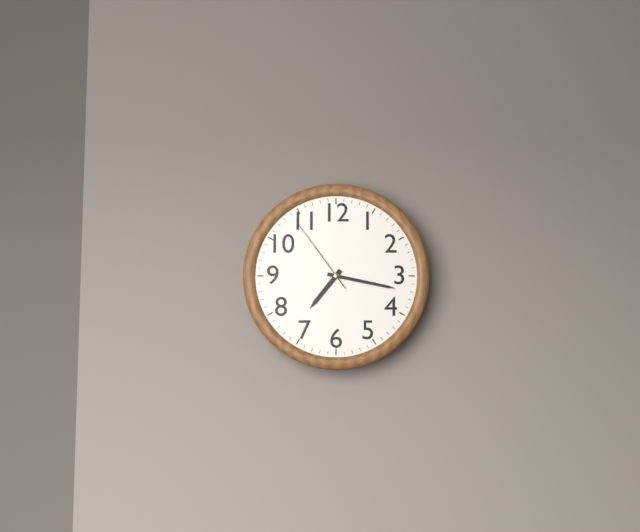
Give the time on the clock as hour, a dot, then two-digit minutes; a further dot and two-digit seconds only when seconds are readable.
7.17.54
